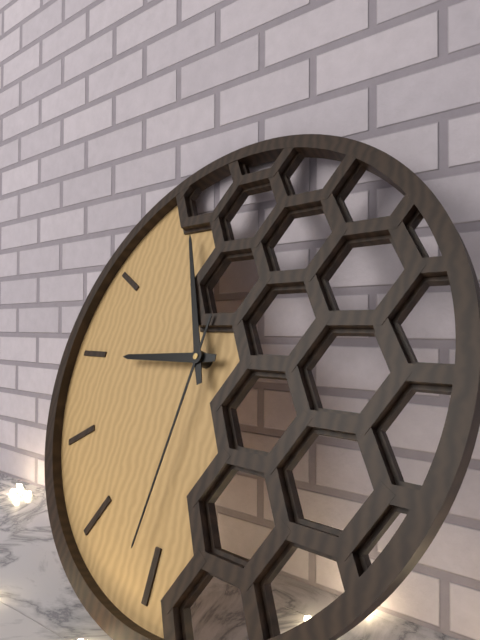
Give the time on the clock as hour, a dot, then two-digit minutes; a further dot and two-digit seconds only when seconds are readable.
8.56.31
